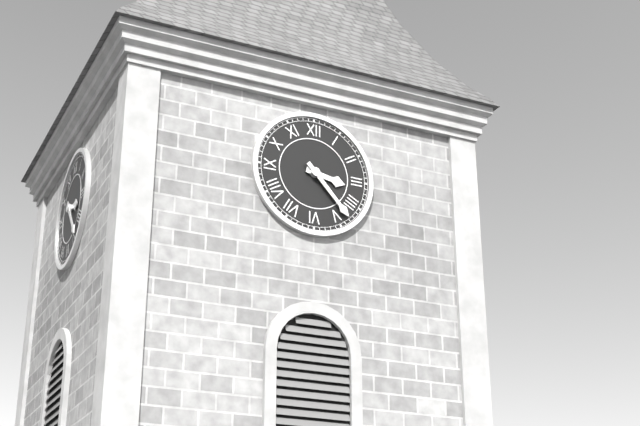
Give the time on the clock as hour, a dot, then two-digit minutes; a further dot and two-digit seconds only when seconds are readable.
3.23
